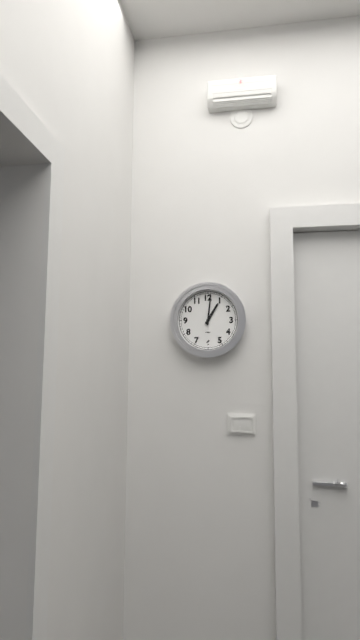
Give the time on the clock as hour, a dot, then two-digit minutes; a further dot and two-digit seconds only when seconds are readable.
1.01
